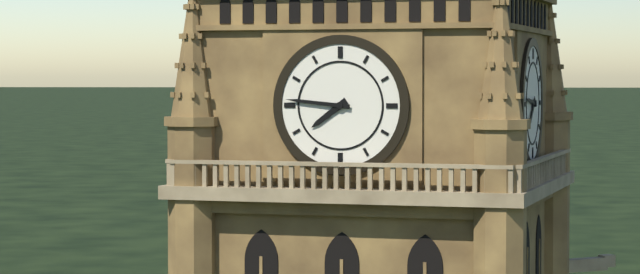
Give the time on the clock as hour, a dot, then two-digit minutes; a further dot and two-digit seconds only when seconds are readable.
7.46
